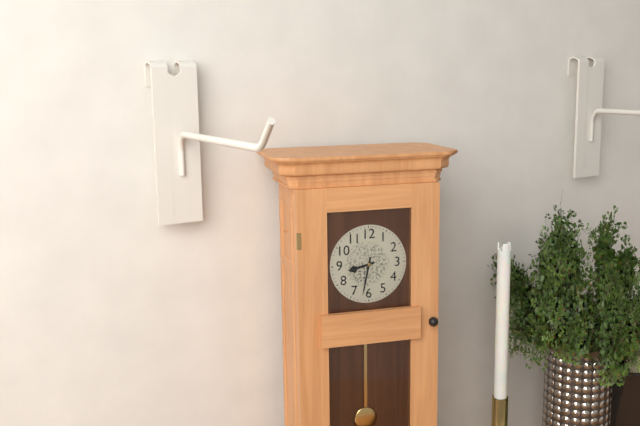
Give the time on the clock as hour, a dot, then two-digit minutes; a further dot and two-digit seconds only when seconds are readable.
8.32
